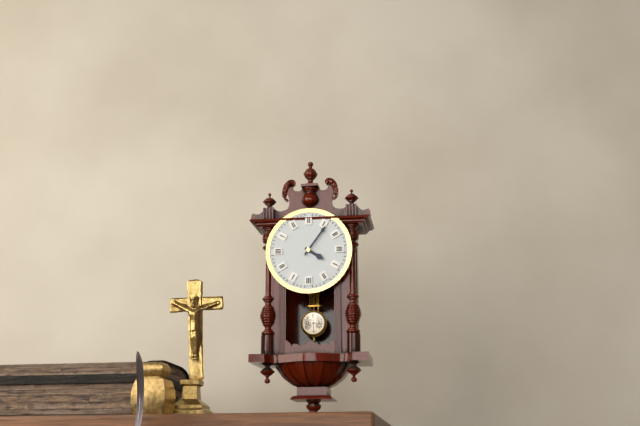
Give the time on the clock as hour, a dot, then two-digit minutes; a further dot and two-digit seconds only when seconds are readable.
4.06
